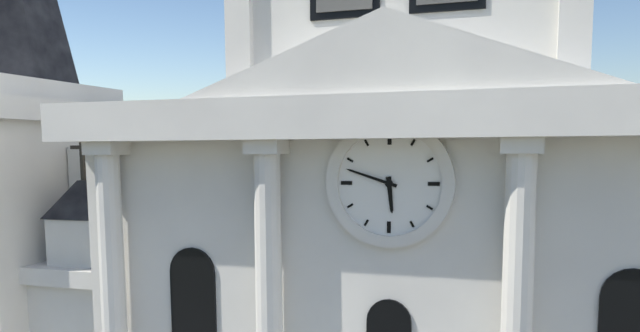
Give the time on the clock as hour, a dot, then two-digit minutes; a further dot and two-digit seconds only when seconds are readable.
5.48
